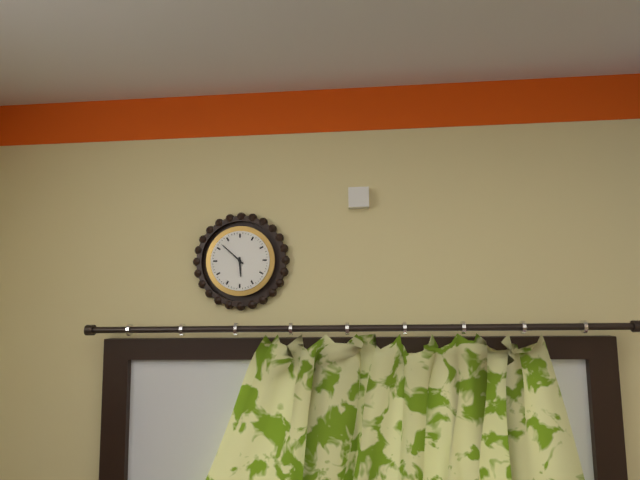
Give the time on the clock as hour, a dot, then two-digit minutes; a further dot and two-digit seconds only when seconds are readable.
5.52
